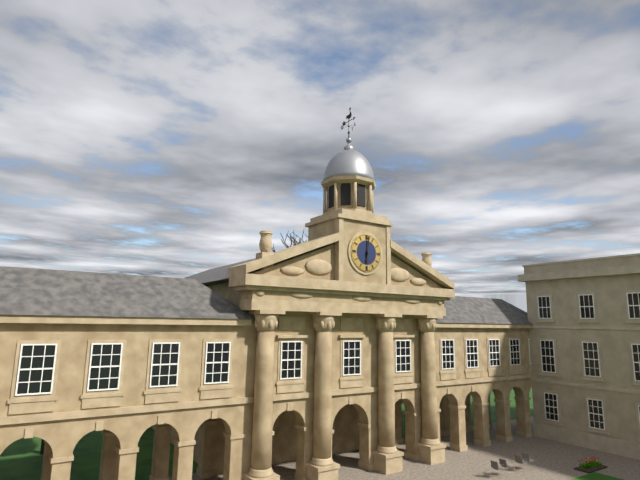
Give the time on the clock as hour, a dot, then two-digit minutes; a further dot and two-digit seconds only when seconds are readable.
6.01
